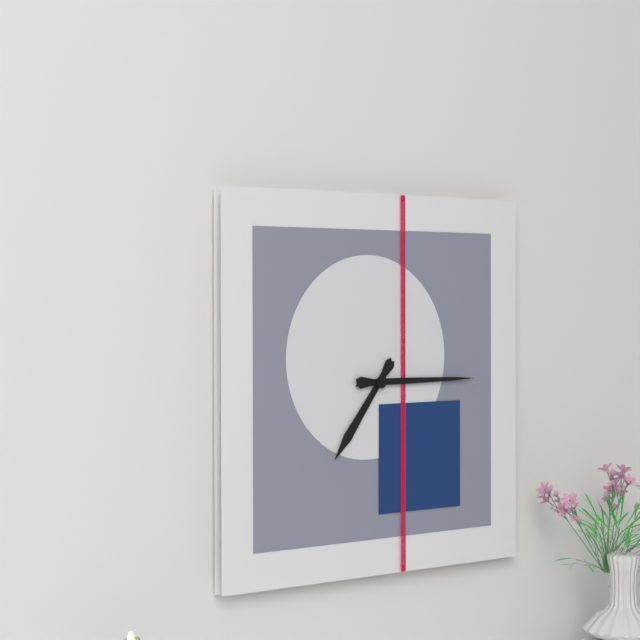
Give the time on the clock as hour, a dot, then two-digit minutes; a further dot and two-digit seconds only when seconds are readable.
7.15
